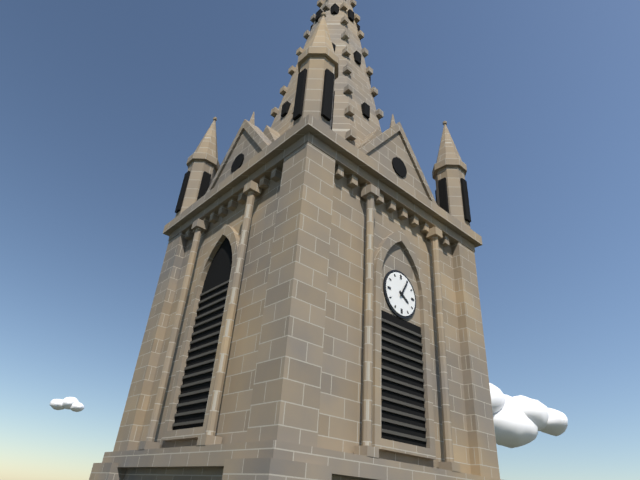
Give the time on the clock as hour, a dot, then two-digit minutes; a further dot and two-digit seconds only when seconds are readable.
4.05
